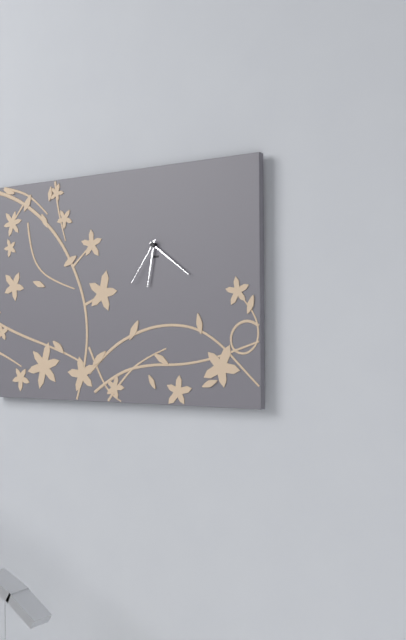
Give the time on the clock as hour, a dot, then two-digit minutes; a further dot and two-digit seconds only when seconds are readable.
6.21.36
